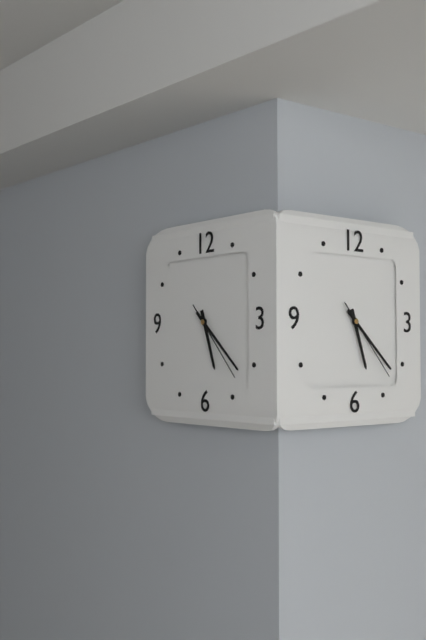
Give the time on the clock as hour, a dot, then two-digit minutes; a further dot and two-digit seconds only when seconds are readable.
5.22.23
